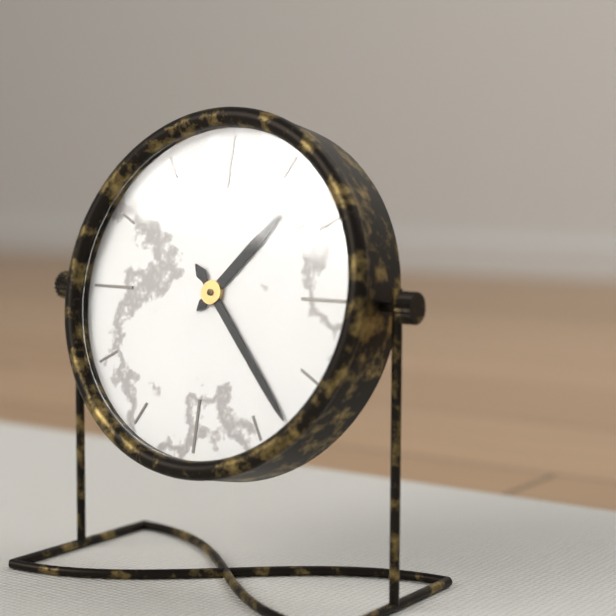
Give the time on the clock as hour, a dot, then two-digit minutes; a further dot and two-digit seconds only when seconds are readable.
1.23
